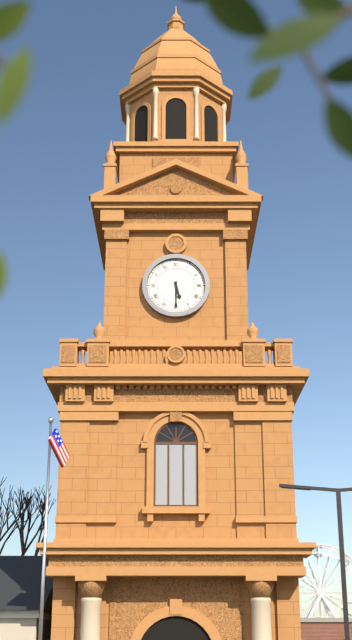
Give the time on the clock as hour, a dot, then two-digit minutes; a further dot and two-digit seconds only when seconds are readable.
5.30
